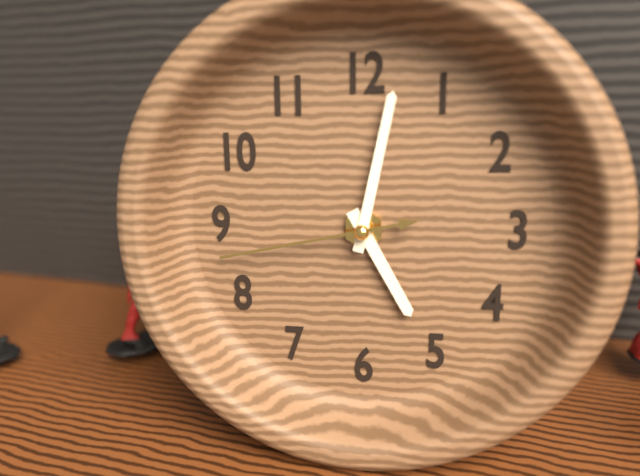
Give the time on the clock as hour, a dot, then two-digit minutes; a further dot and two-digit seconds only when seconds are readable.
5.02.43
